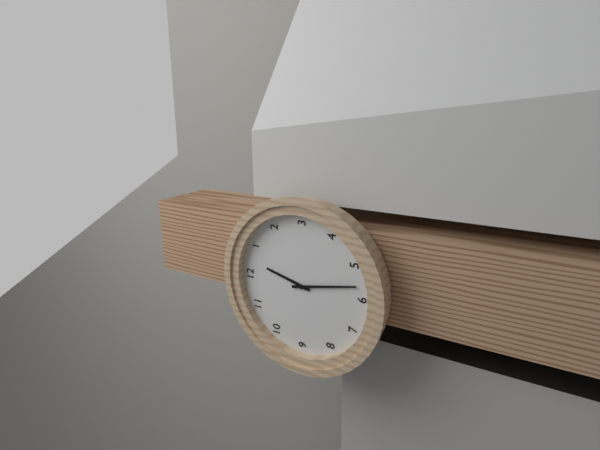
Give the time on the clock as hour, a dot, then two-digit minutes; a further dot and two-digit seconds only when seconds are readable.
12.28
